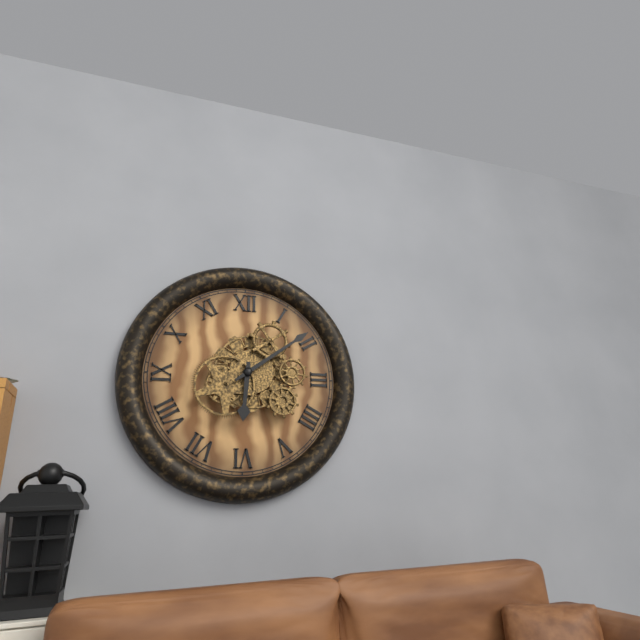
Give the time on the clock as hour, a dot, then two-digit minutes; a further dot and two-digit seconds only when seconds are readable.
6.09
